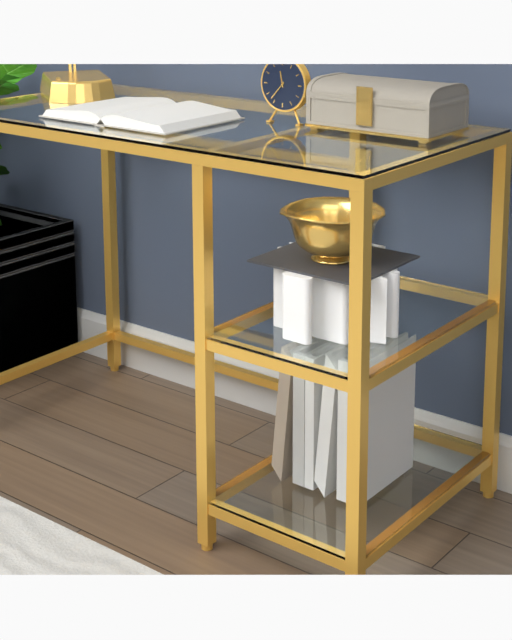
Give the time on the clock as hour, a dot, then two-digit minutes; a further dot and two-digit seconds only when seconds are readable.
11.37
